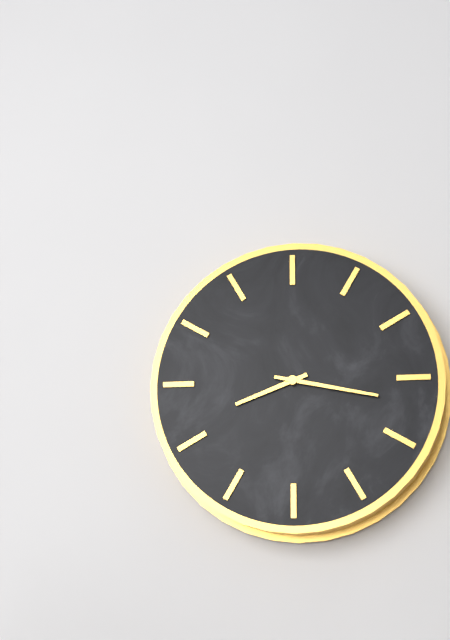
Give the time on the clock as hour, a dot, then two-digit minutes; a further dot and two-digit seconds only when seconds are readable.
8.17
